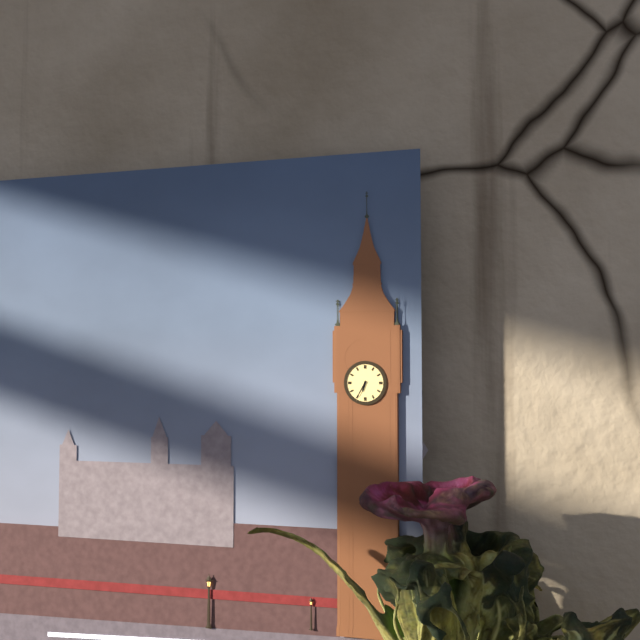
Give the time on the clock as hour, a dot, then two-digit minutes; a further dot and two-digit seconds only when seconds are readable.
6.35
